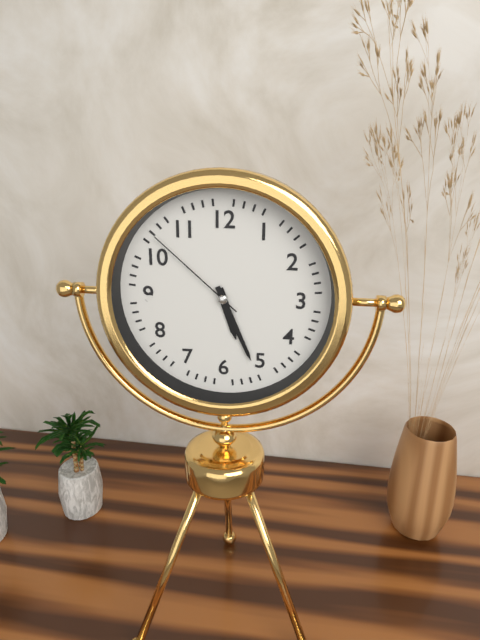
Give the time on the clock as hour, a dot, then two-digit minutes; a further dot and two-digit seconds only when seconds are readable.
5.26.52
